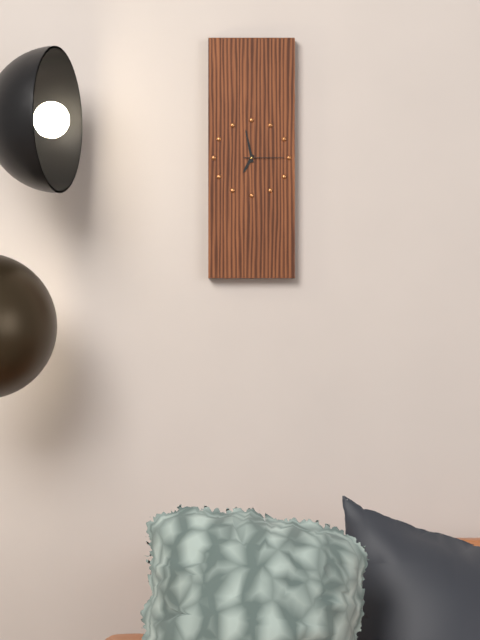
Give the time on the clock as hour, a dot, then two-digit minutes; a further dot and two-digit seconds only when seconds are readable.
6.58
